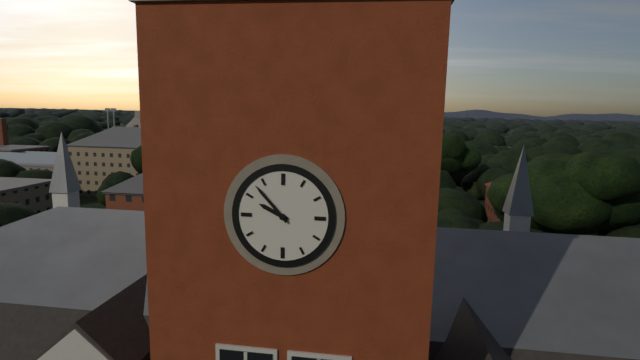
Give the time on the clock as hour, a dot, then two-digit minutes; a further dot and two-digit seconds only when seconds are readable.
9.53
